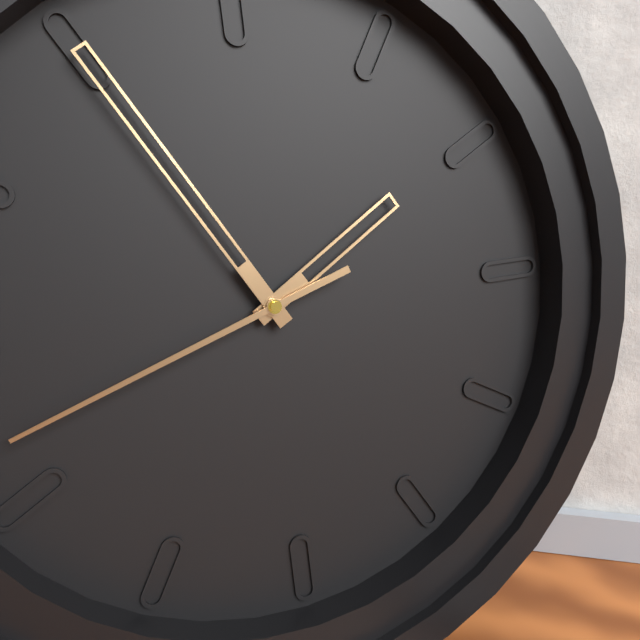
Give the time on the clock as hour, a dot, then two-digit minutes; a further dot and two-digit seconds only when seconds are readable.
1.55.42
